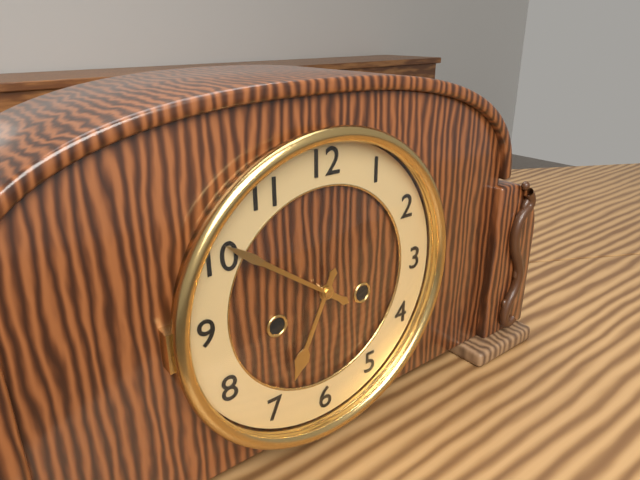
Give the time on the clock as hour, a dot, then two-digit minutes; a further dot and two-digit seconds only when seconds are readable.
6.51
